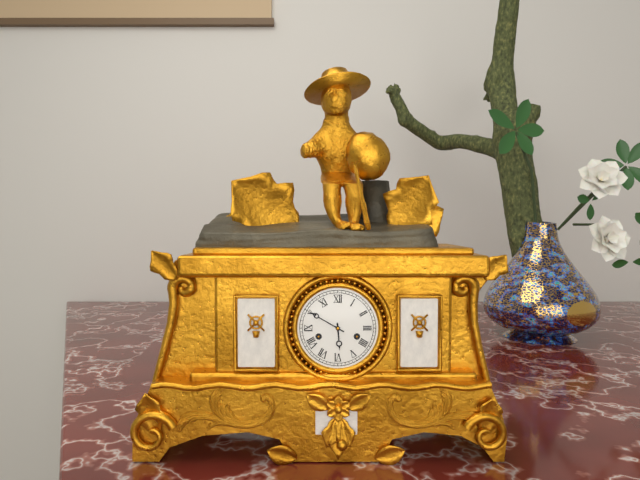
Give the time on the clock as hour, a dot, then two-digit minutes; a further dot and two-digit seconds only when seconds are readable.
5.50
